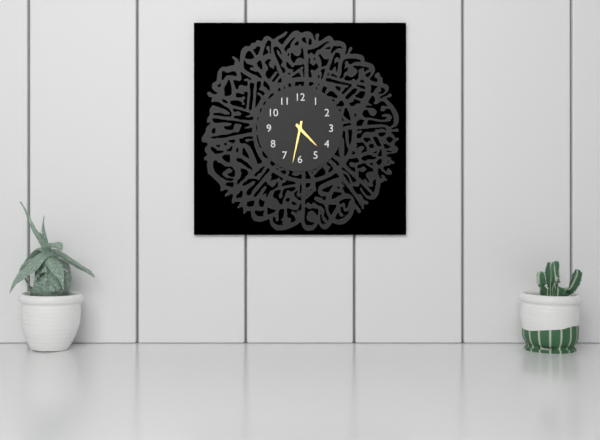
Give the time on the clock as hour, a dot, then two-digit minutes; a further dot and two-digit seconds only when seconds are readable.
4.32
